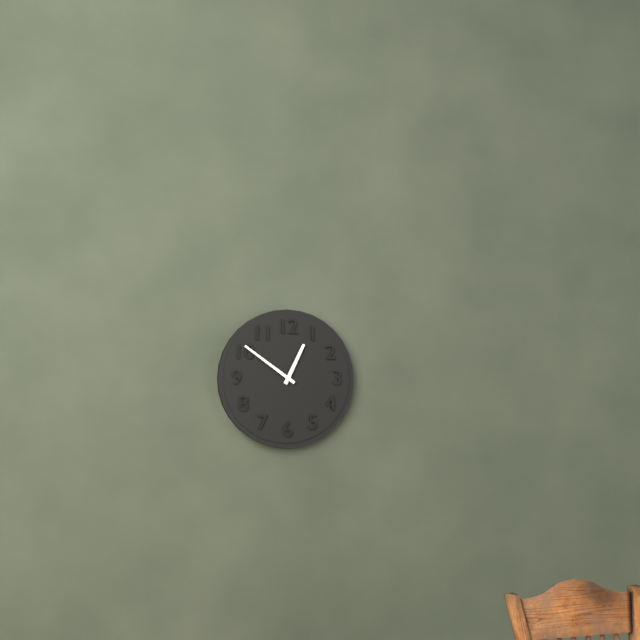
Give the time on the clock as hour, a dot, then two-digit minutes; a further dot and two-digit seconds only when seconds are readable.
12.51
